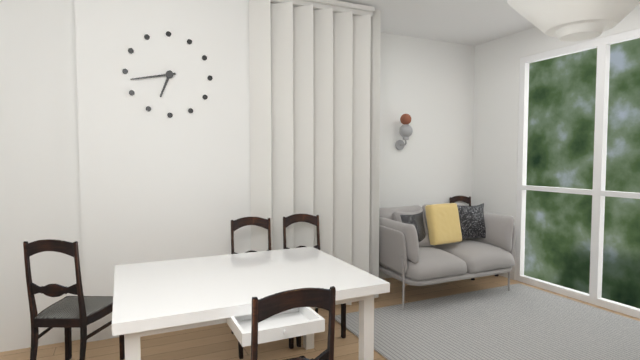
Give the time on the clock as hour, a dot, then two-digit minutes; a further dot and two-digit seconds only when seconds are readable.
6.43
